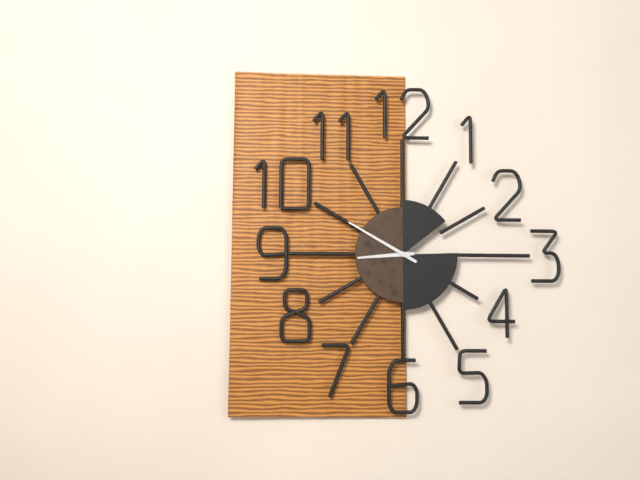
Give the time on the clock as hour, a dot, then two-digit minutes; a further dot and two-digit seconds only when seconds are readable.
8.50
